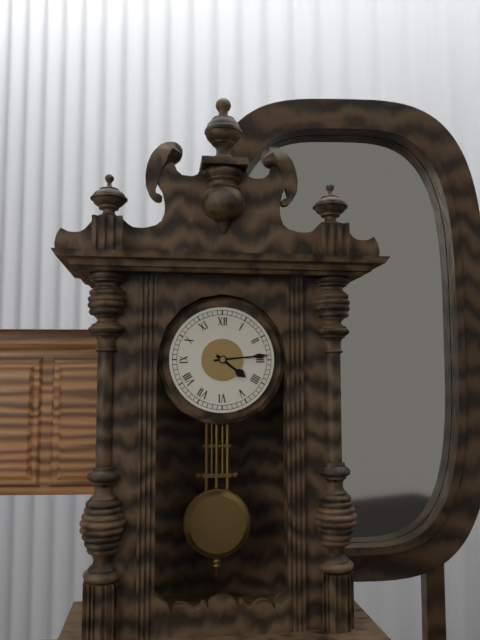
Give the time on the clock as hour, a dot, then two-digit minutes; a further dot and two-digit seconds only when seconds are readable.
4.14
